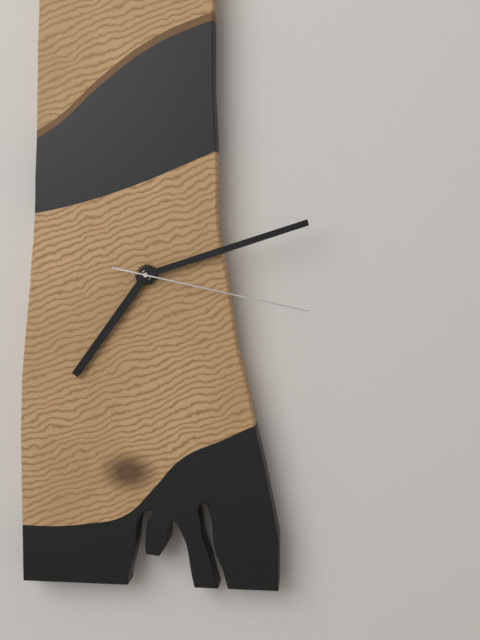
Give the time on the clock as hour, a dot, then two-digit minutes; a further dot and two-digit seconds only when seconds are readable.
7.12.17
